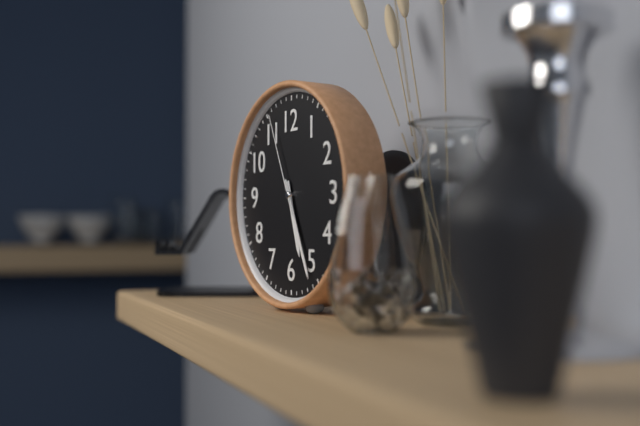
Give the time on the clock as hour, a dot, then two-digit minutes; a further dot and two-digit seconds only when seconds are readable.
5.26.56
